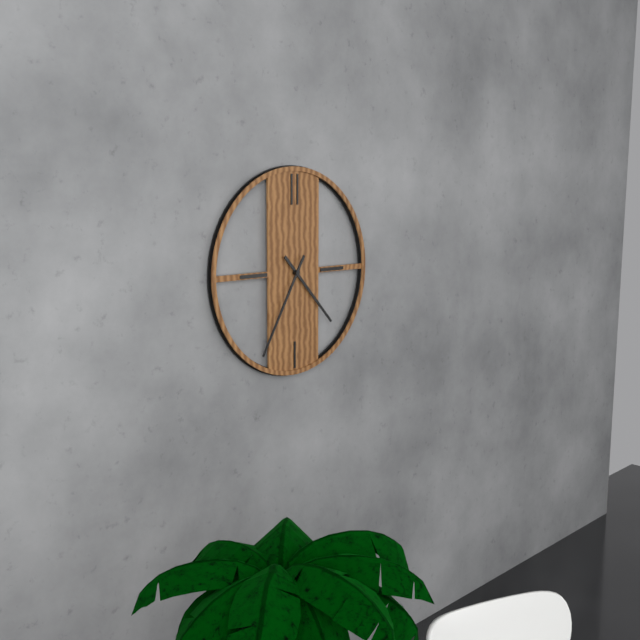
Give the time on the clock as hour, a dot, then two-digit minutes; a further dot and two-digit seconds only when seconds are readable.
4.35
